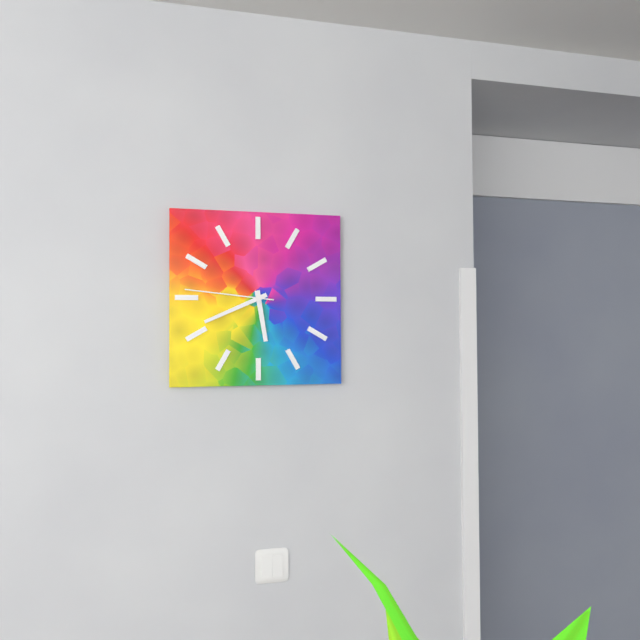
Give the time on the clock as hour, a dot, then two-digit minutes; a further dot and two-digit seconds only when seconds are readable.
5.41.46
